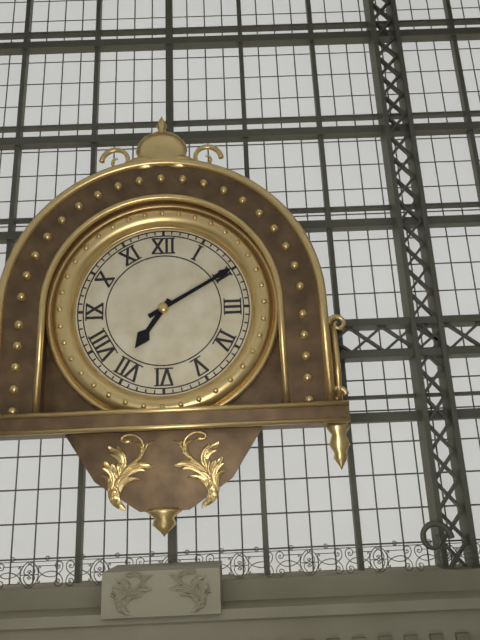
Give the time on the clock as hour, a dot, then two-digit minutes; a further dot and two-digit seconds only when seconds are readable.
7.10
